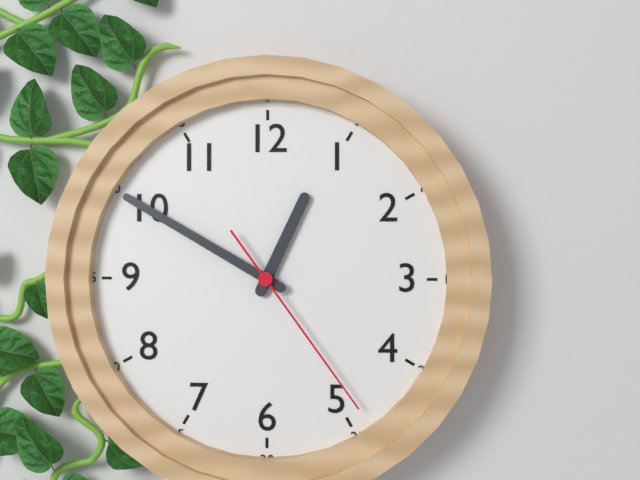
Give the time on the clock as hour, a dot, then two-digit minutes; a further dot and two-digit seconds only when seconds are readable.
12.50.24
